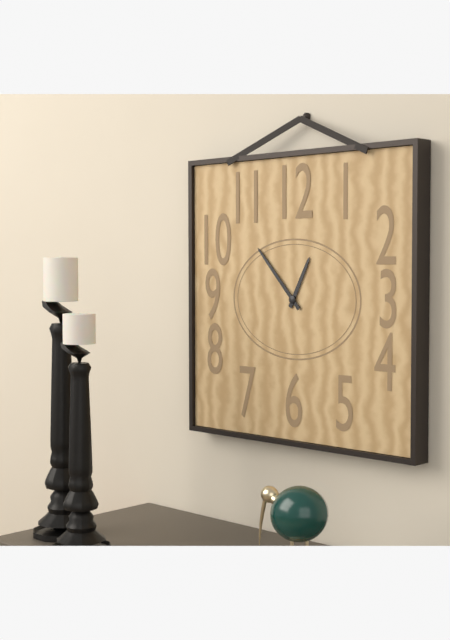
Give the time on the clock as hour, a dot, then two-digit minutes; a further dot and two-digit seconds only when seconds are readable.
12.53
